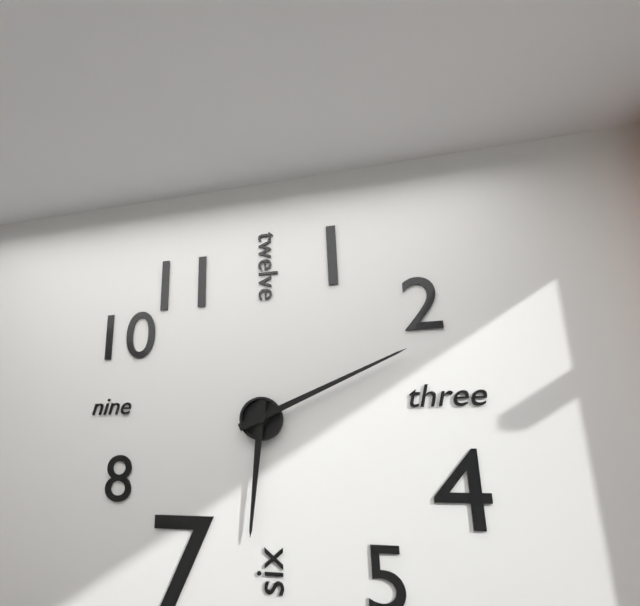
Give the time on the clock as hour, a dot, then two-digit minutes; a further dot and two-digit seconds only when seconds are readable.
6.11
